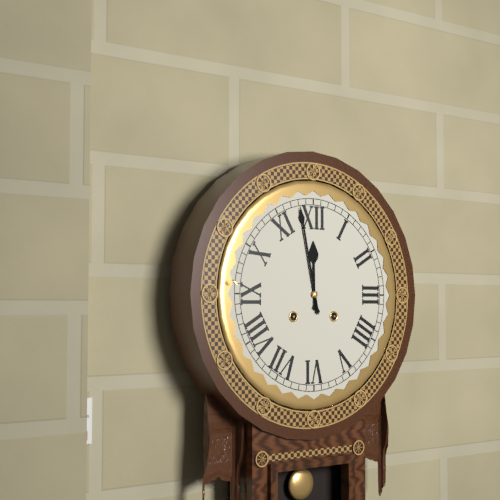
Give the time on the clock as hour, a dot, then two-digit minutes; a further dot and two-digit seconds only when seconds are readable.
11.58
